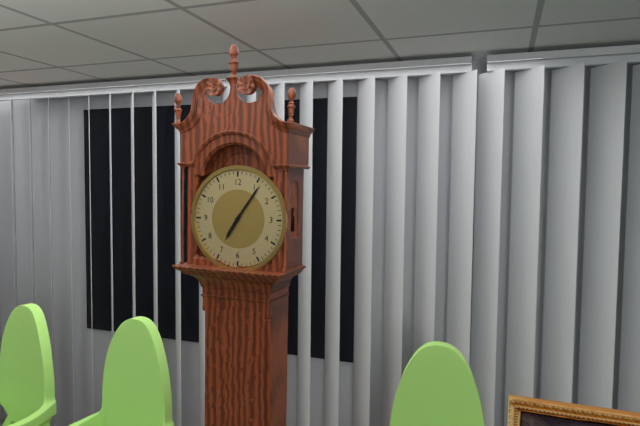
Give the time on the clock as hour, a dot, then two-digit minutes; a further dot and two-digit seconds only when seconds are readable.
7.06
